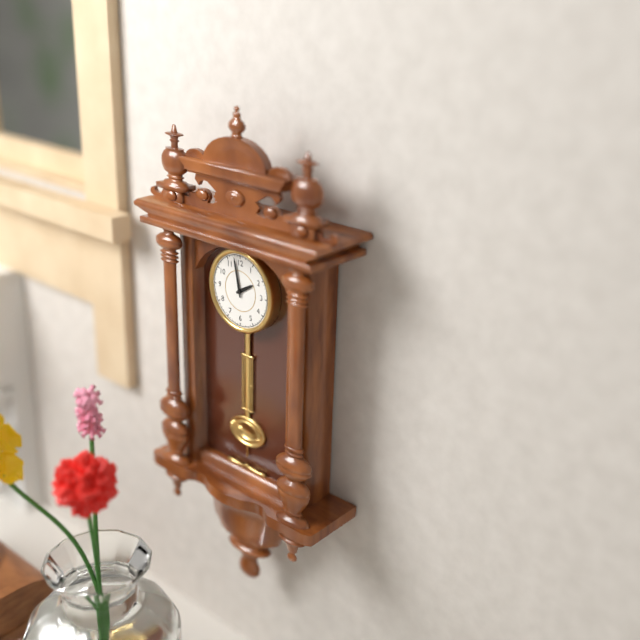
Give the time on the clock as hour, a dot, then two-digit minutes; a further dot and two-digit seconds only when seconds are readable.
1.58
